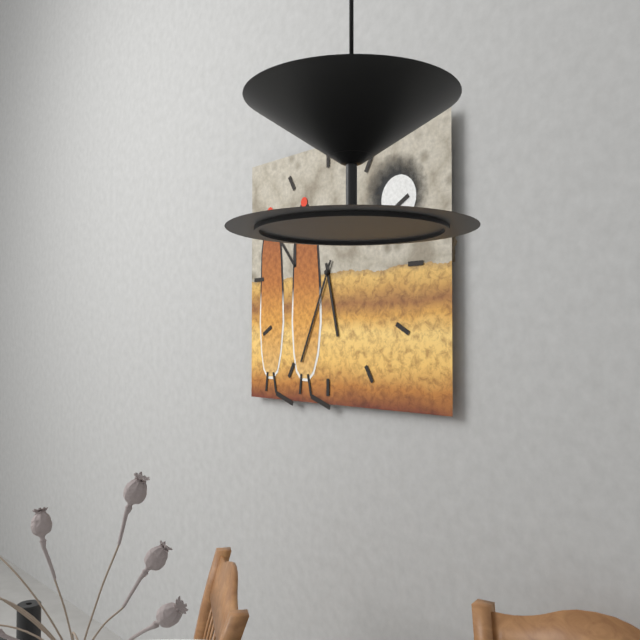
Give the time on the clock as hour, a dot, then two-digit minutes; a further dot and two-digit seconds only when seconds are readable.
5.34
